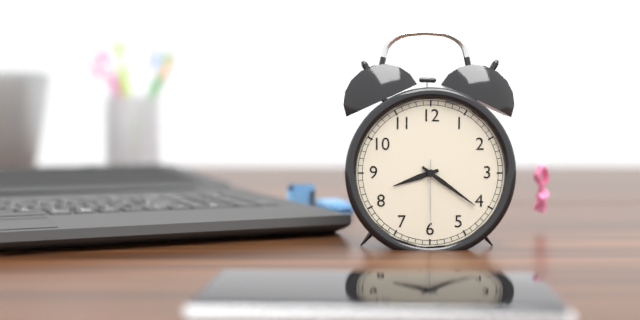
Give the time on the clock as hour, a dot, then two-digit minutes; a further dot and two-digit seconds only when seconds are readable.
8.21.30
